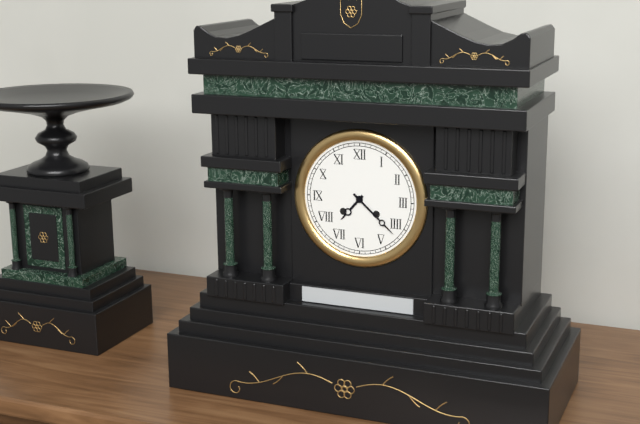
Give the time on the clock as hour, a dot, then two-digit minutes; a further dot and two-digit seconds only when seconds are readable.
7.22
